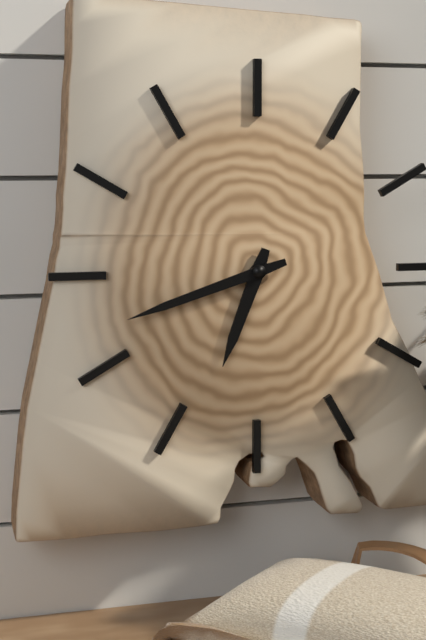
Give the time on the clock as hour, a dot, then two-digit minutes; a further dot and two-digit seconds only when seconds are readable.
6.42
